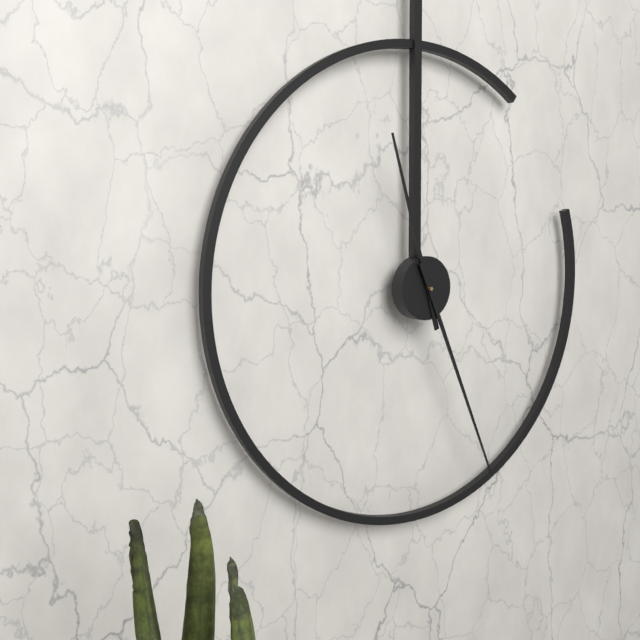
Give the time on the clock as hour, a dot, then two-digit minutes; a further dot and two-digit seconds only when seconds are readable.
11.26
